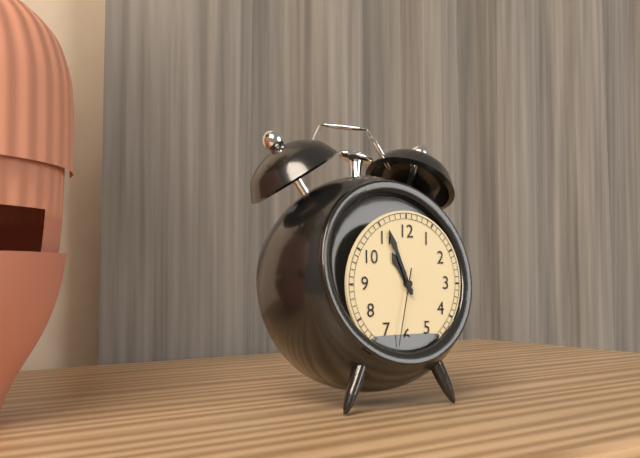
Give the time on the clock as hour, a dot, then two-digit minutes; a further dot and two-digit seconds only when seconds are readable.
10.56.32
